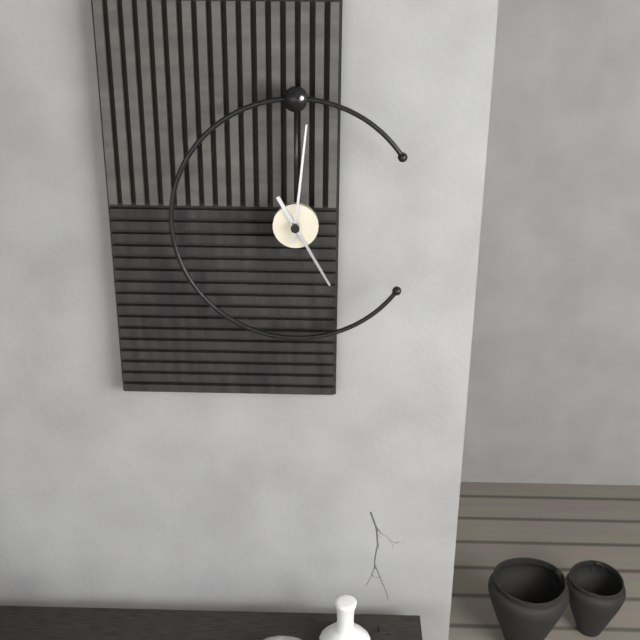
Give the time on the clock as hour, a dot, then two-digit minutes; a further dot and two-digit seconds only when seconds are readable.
5.01
